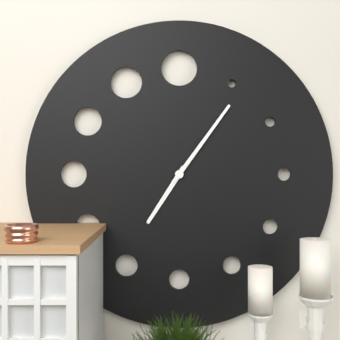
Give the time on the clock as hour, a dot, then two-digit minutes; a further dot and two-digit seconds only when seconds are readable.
7.06
